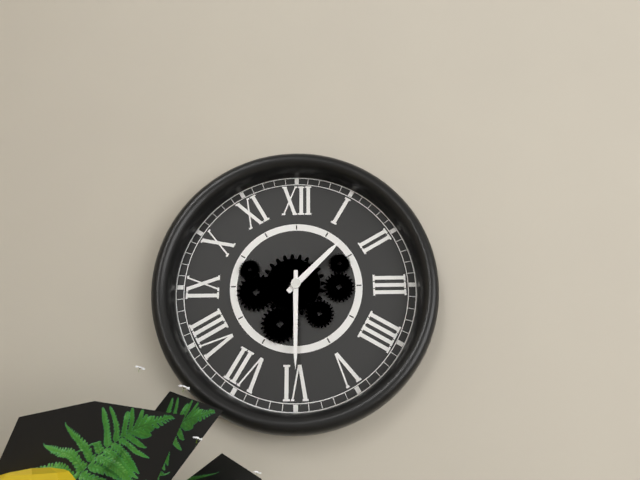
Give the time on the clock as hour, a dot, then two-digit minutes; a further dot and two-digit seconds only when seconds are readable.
1.30
